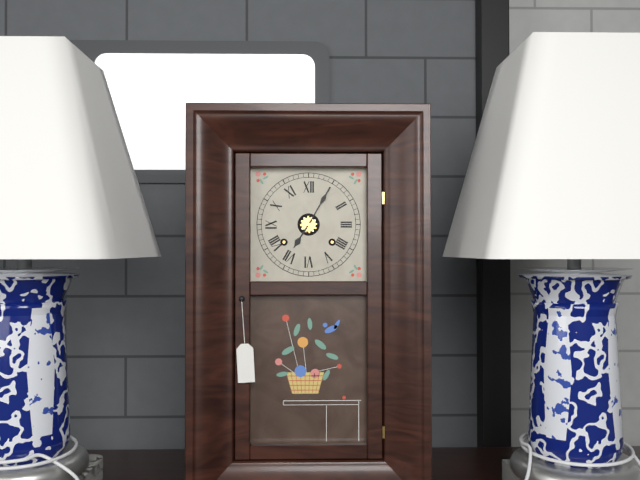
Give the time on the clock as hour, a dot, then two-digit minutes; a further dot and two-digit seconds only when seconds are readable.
7.05
